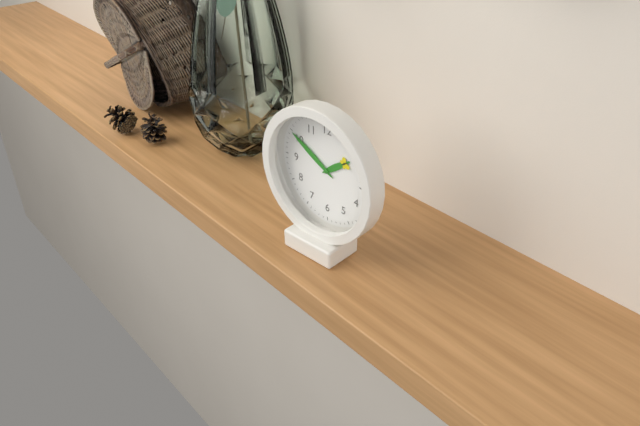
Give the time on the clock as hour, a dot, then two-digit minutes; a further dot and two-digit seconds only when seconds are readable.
1.50
